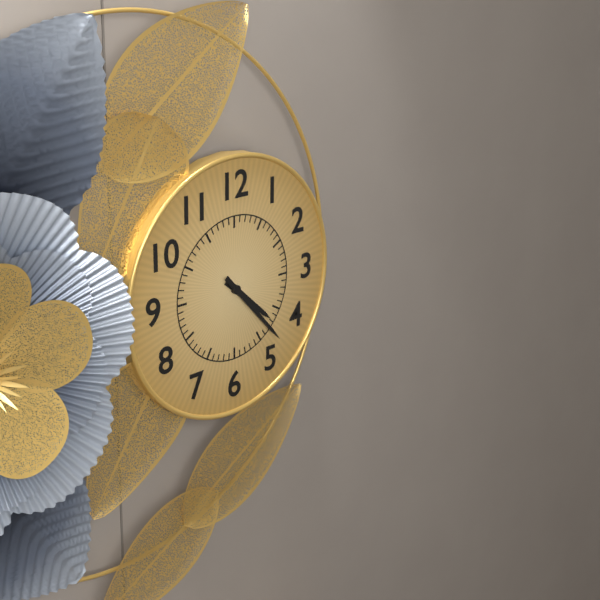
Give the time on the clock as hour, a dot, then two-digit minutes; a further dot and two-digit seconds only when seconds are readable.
4.23
